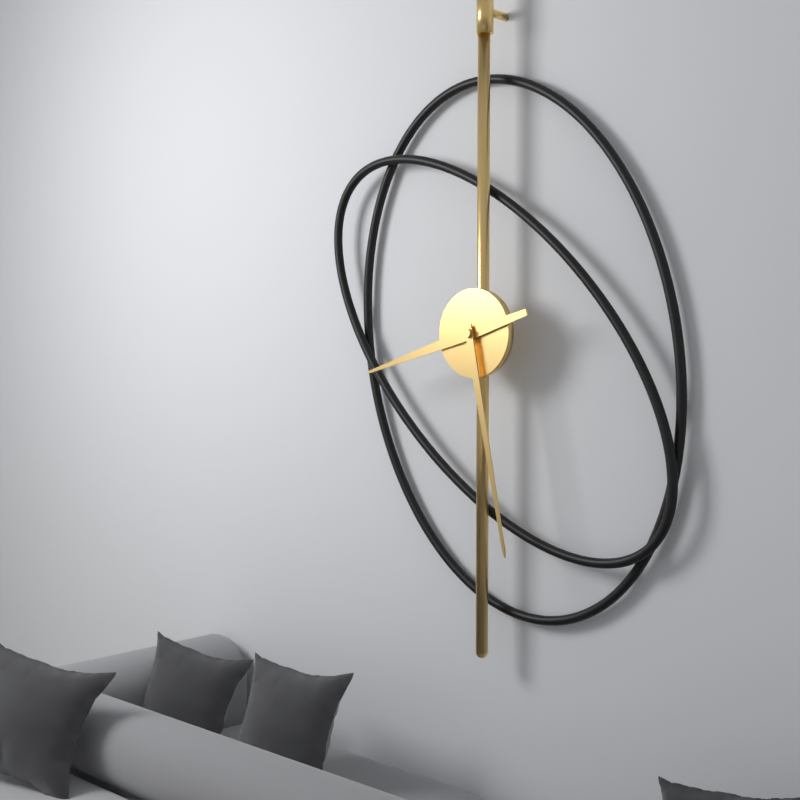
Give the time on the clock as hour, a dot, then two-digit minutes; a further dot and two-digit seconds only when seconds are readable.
8.28
